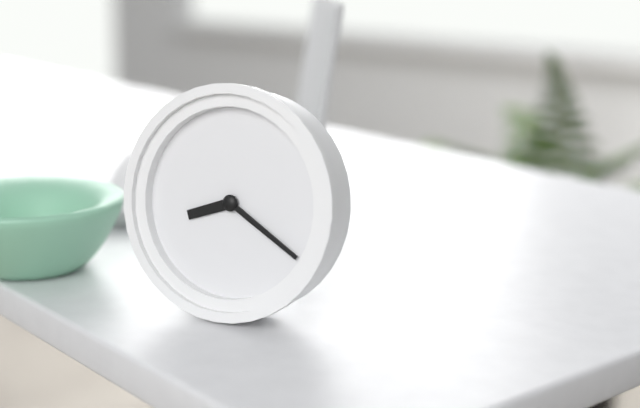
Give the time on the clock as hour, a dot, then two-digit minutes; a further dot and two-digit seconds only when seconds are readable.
8.20
